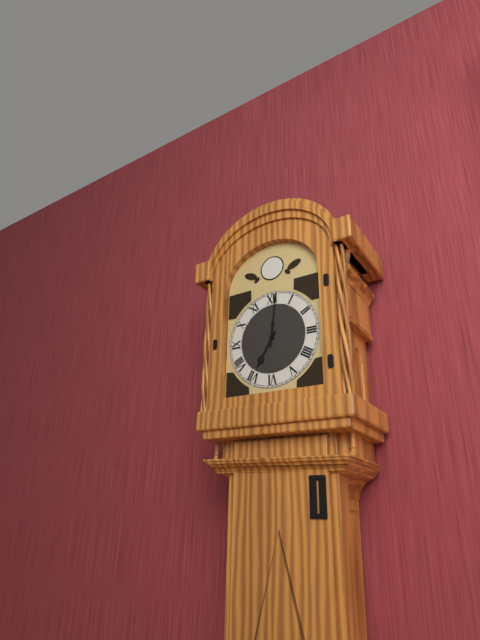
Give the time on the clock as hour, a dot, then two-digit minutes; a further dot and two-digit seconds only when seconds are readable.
7.01
